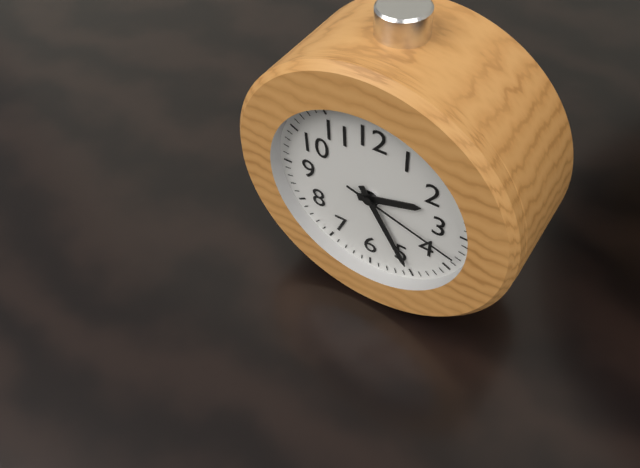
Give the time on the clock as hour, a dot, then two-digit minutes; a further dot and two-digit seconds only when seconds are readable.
2.25.18
